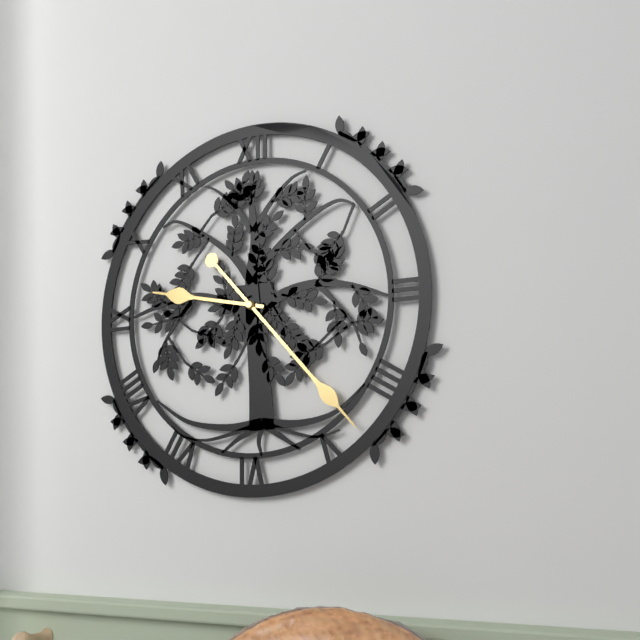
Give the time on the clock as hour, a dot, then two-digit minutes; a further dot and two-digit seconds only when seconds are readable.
9.23
